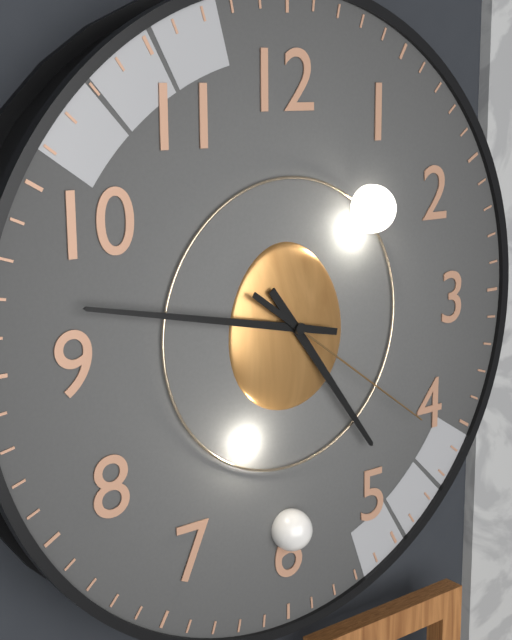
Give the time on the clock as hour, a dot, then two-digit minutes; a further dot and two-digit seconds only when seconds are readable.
4.47.21
